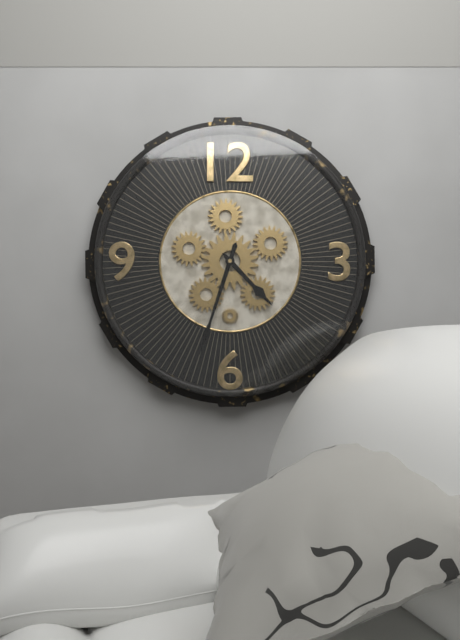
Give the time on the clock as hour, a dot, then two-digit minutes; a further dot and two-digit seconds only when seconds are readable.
4.33
